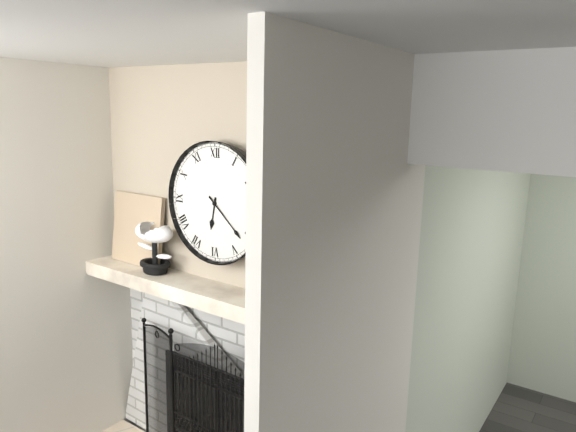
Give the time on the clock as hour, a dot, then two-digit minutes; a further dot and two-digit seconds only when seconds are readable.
6.22
